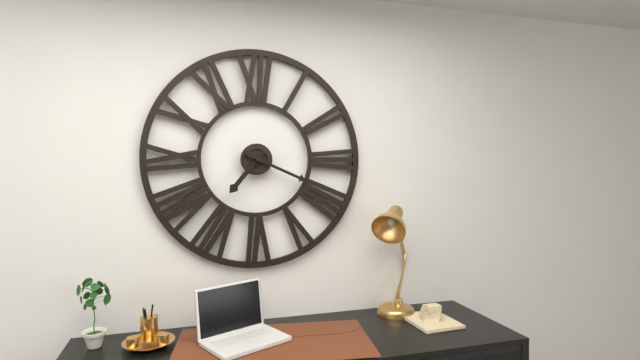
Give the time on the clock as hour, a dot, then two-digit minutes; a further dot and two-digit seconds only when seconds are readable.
7.19
